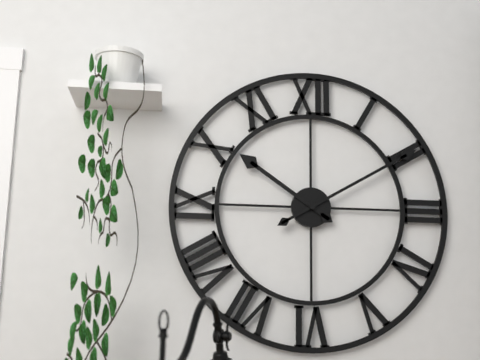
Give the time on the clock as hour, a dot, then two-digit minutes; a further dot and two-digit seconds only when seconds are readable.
10.10
